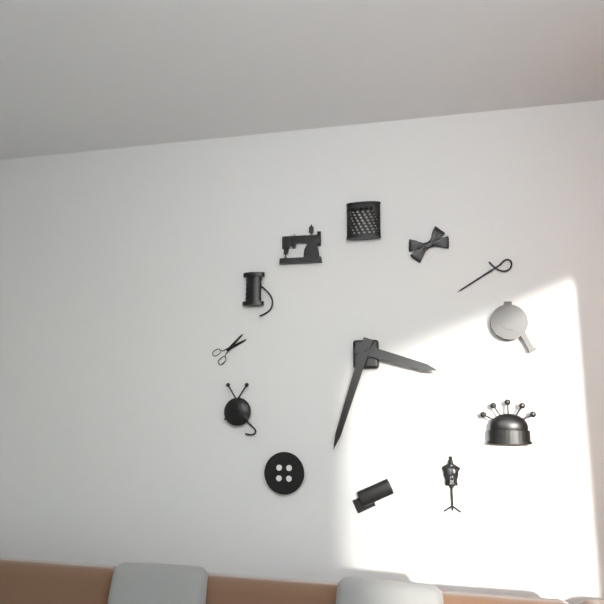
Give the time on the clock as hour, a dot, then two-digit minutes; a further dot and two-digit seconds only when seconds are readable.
3.33
